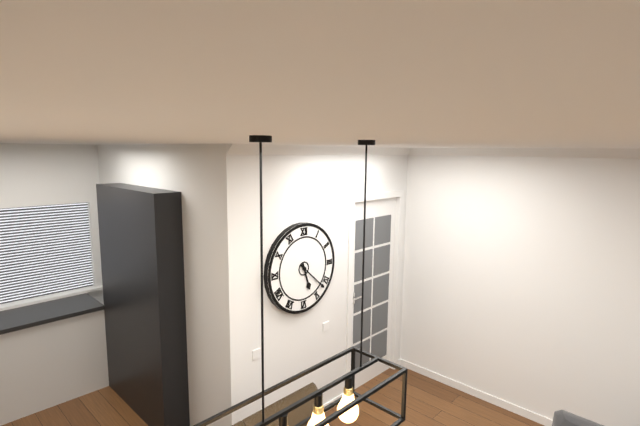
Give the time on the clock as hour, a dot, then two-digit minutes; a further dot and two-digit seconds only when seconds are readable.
5.22
